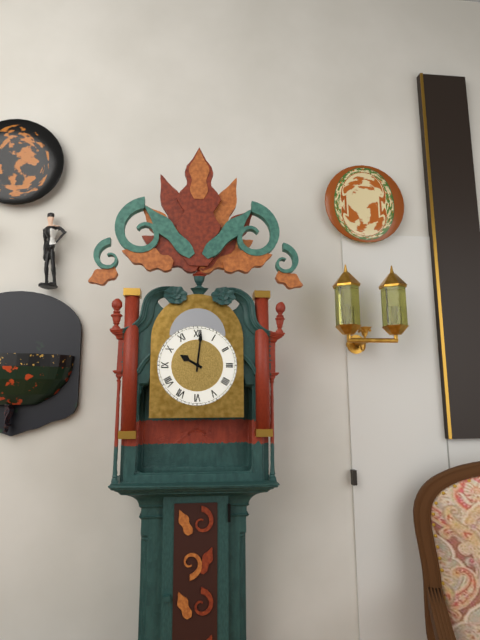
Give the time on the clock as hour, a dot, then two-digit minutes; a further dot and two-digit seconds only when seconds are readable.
10.01
